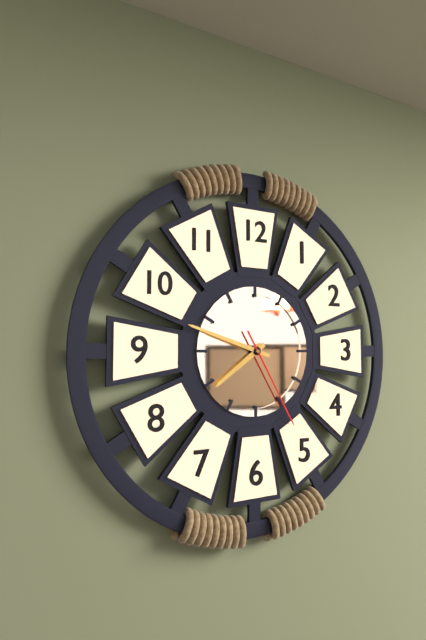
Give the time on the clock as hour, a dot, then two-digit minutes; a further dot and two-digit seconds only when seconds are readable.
7.48.25
